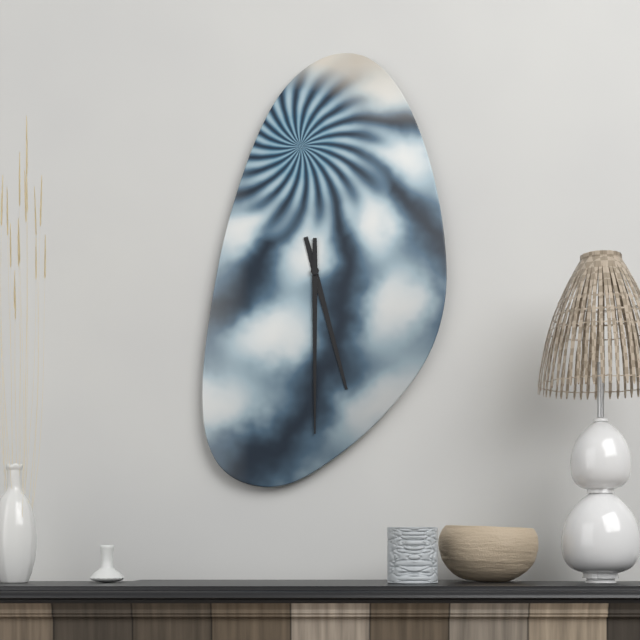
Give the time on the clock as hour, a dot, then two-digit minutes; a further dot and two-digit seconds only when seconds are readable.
5.30
